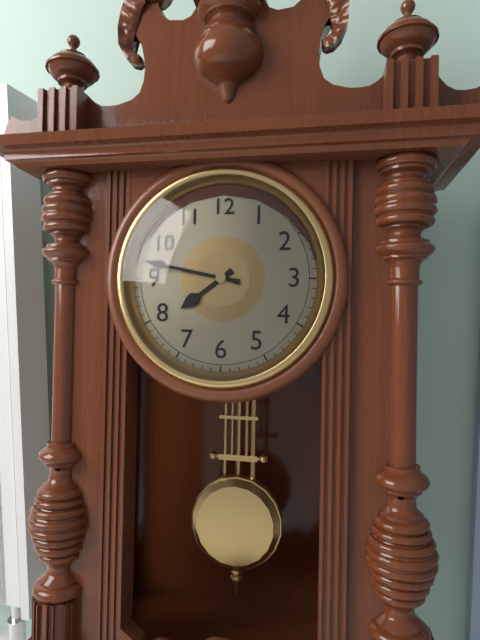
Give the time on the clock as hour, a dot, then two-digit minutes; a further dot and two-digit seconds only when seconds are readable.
7.47
